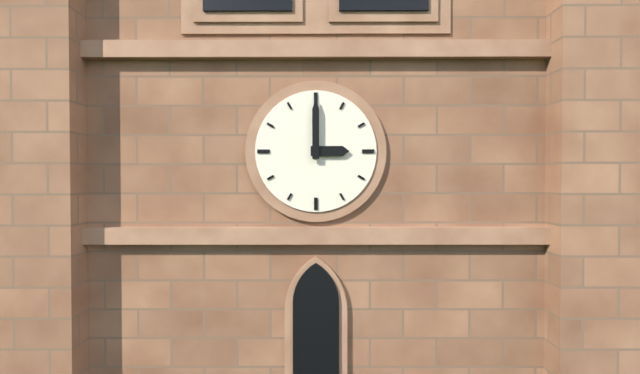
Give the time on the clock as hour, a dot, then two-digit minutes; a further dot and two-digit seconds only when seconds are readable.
3.00
